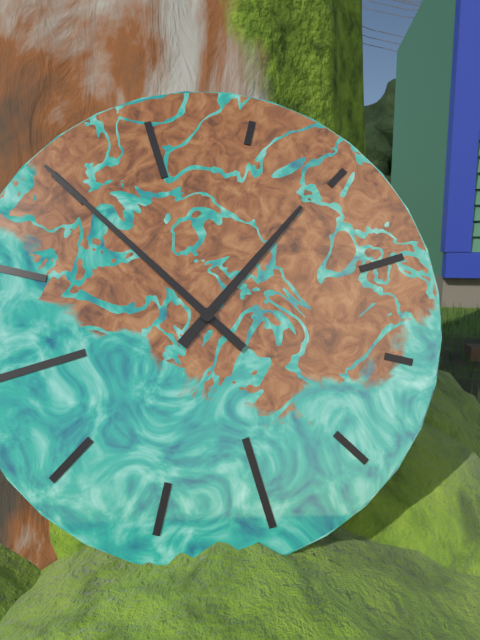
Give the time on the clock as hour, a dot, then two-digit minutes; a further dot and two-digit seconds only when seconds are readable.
1.55
